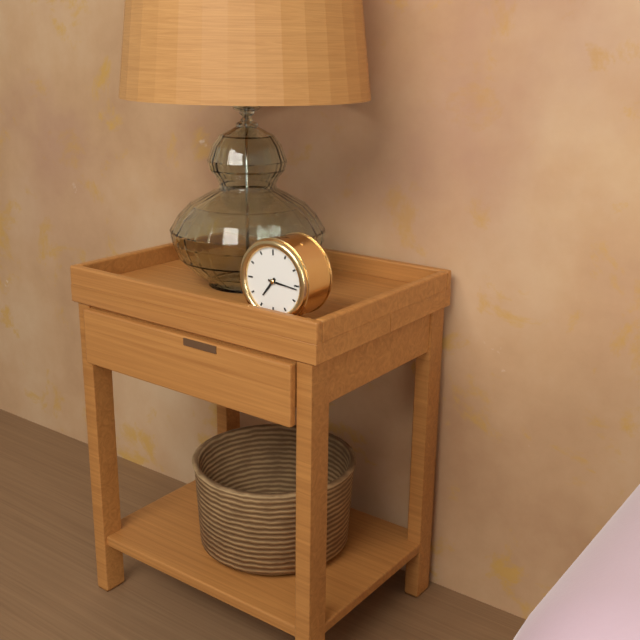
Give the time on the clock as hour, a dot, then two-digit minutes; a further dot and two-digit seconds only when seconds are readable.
7.16
